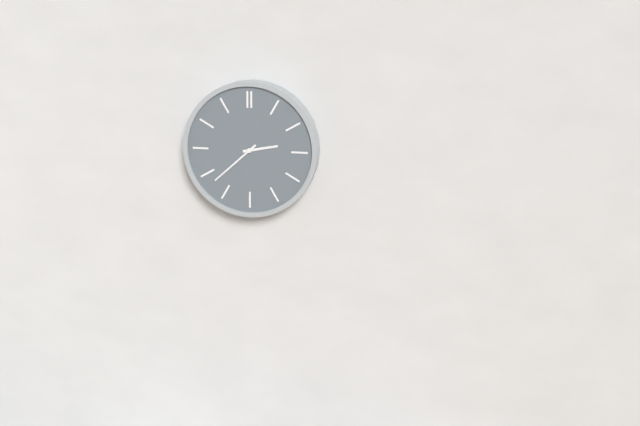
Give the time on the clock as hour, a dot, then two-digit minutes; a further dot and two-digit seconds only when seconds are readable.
2.38
